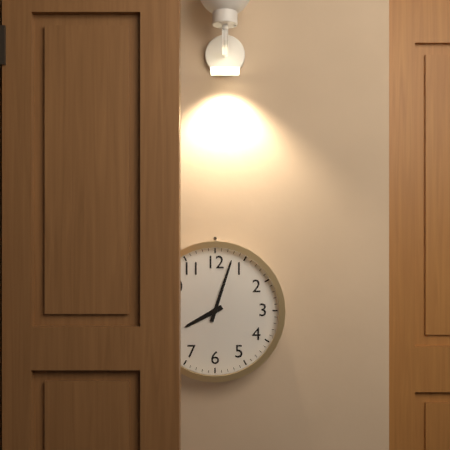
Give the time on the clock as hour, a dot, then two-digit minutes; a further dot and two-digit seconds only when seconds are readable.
8.03
